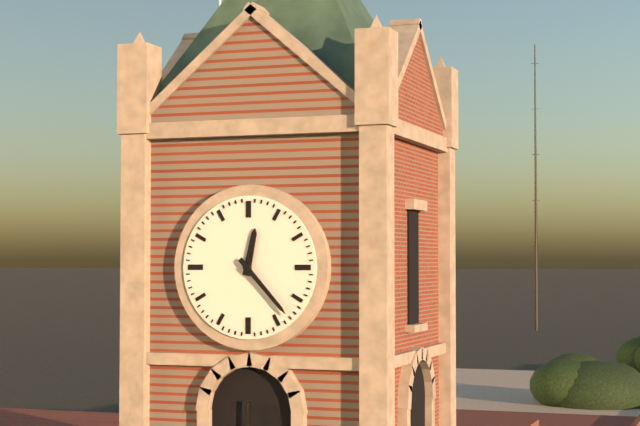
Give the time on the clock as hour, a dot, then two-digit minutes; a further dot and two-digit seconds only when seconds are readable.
12.23
